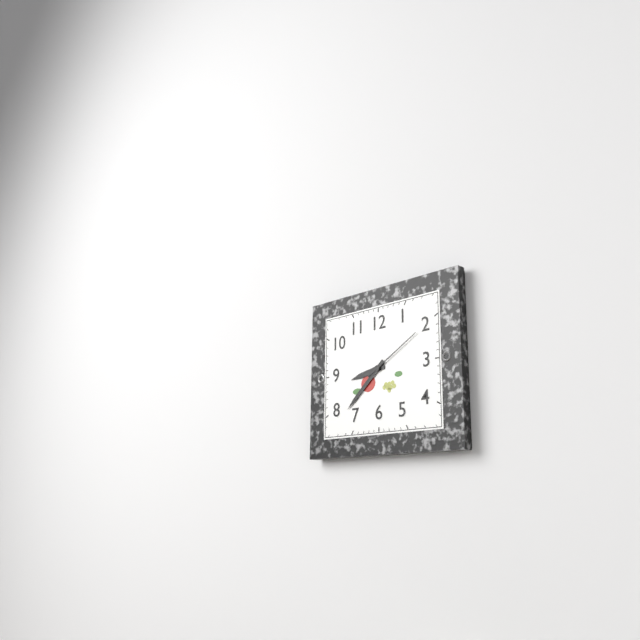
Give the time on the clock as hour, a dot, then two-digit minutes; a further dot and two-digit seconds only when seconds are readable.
8.38.10
